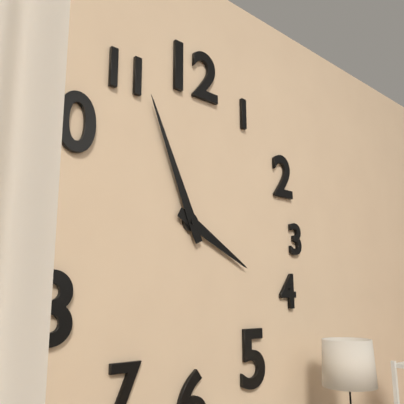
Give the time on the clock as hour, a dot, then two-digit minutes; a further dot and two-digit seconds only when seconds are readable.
3.56
